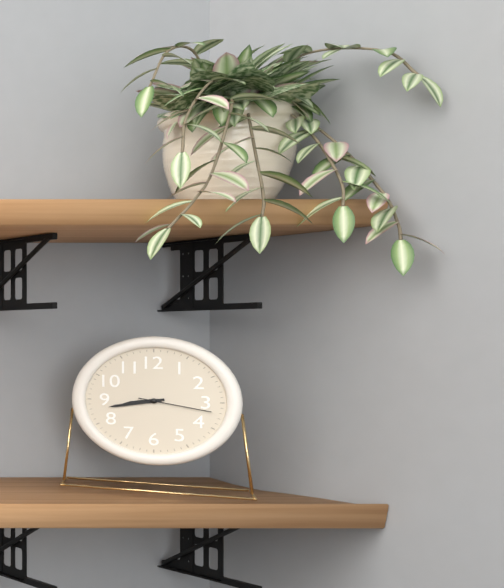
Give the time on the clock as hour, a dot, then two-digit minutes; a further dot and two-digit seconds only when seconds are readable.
8.43.17
